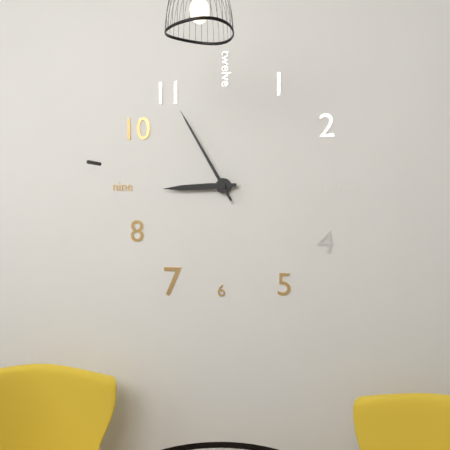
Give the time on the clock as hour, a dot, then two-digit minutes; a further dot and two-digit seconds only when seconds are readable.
8.55
